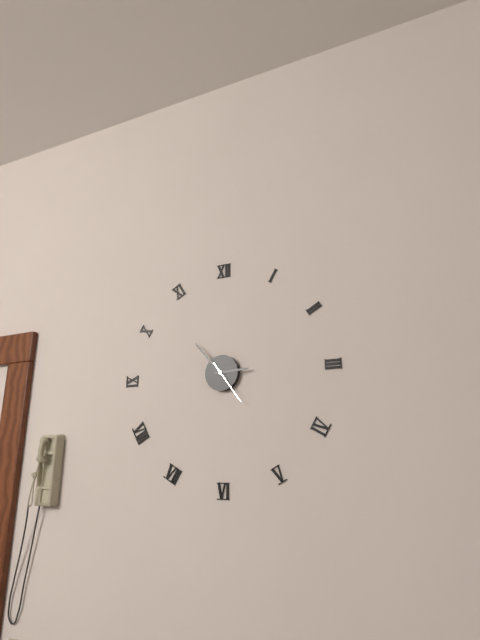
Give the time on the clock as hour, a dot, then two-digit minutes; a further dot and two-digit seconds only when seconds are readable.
2.53
